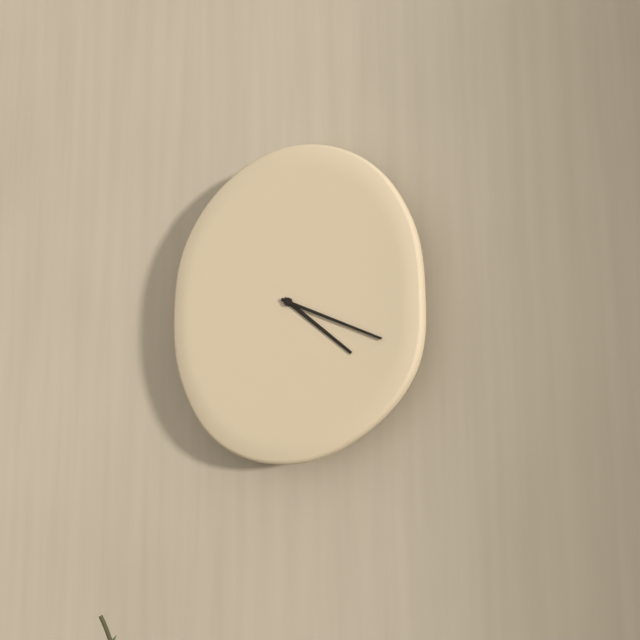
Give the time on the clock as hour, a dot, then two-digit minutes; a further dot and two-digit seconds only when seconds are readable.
4.19
